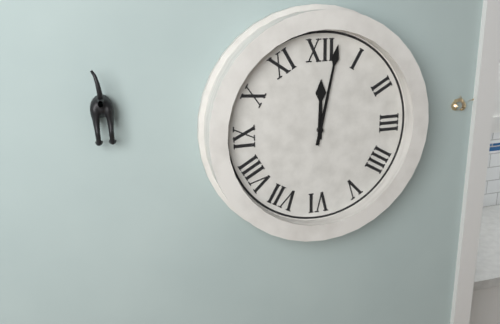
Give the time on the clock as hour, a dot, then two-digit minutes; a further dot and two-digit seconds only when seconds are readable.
12.02
